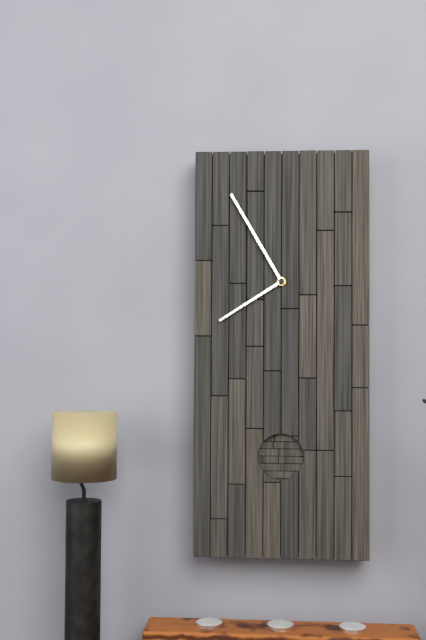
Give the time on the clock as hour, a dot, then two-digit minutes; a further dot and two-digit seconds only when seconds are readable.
7.55
